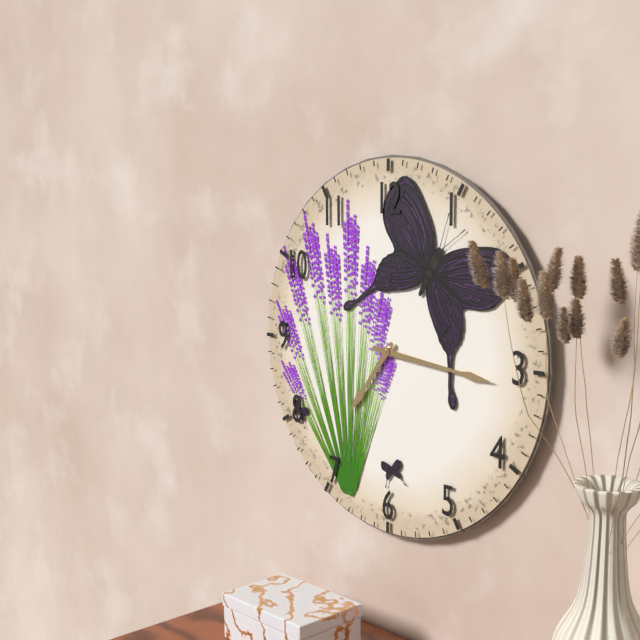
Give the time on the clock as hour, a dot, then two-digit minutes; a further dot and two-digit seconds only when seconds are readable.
7.16
